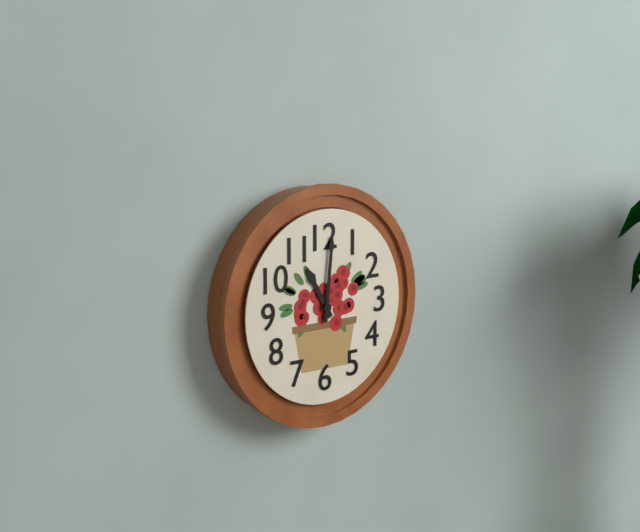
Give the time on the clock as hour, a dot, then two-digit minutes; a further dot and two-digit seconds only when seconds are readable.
11.01
